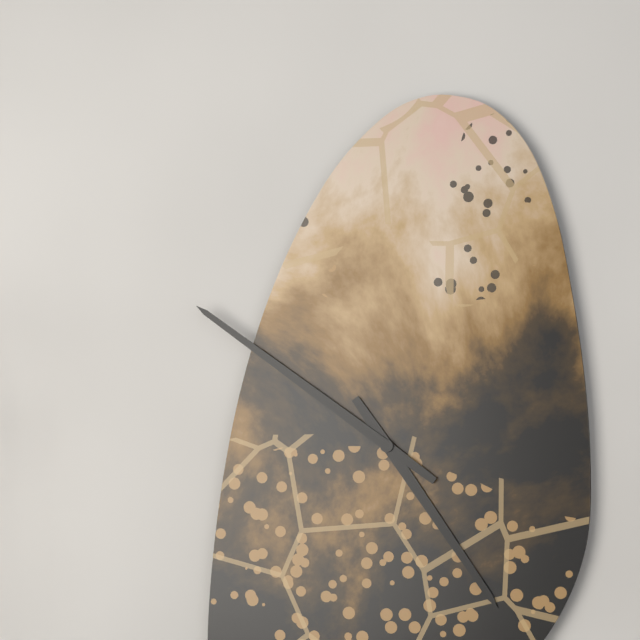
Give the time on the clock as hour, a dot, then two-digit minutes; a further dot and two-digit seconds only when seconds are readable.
4.51
